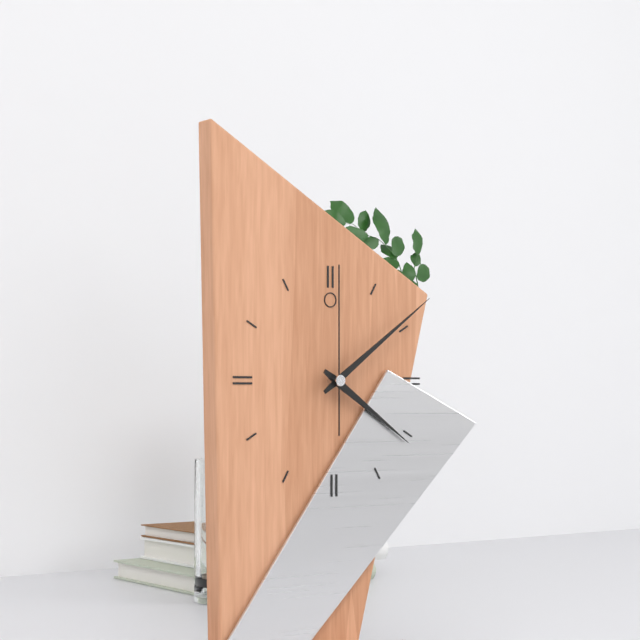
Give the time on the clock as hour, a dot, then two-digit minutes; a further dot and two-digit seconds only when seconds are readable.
4.09.00
